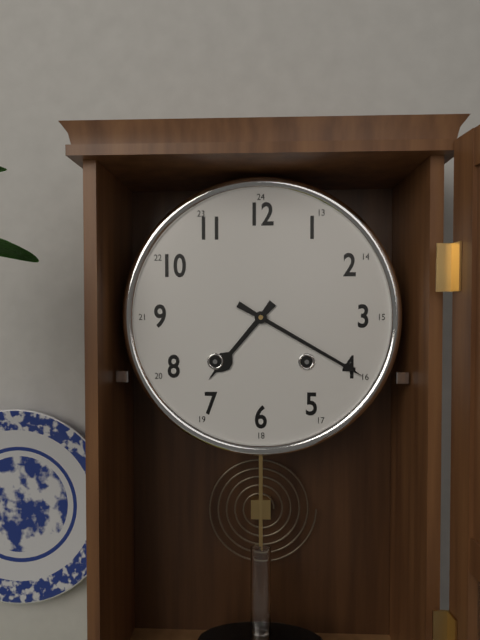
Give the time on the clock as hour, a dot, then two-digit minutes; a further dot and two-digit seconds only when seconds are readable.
7.20
